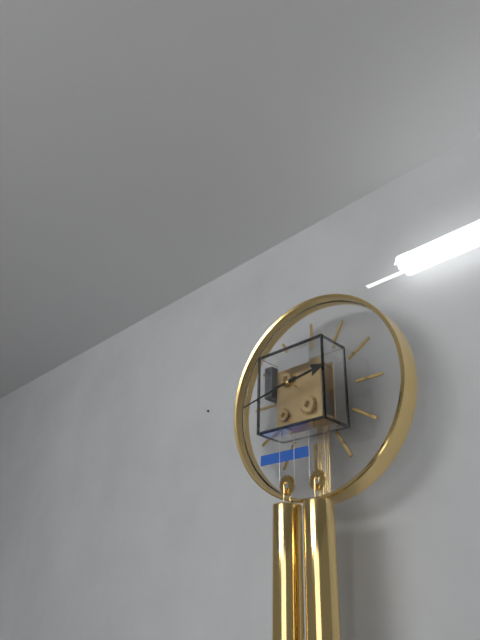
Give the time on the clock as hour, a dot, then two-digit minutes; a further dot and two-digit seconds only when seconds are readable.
2.43
